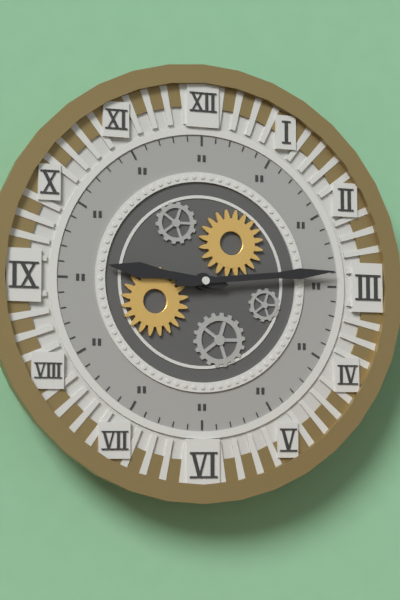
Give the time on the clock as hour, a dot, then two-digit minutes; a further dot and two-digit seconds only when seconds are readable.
9.14
